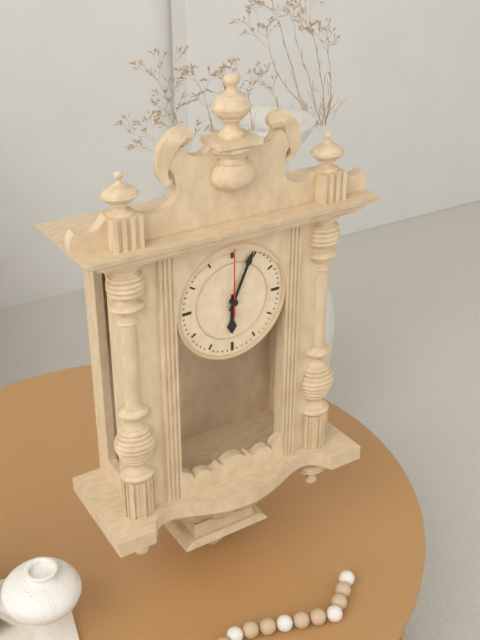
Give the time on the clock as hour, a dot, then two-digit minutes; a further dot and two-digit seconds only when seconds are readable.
6.04.00
